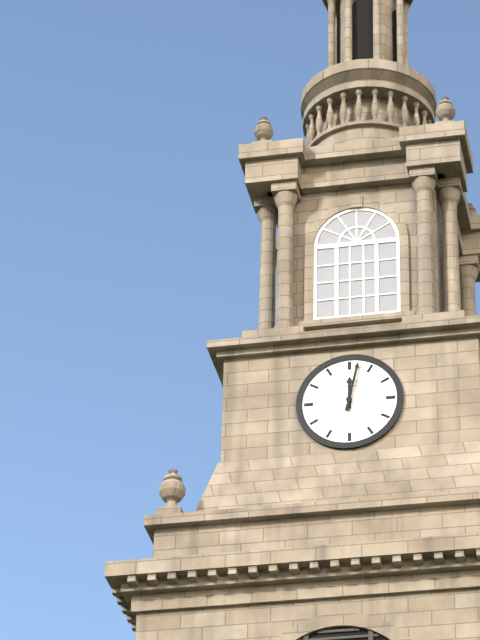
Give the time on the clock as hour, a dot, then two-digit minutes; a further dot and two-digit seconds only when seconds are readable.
12.02
